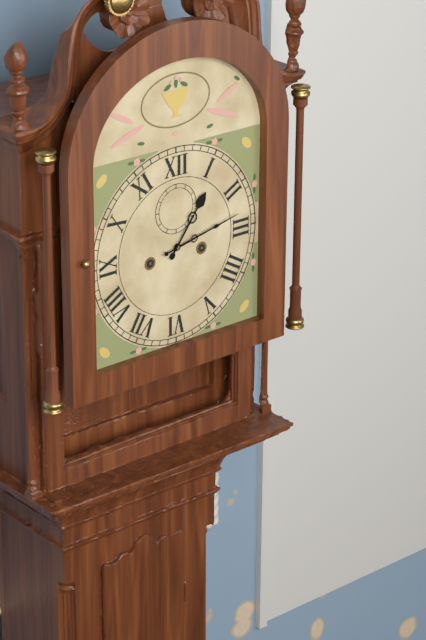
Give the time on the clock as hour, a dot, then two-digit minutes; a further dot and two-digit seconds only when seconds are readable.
1.13
